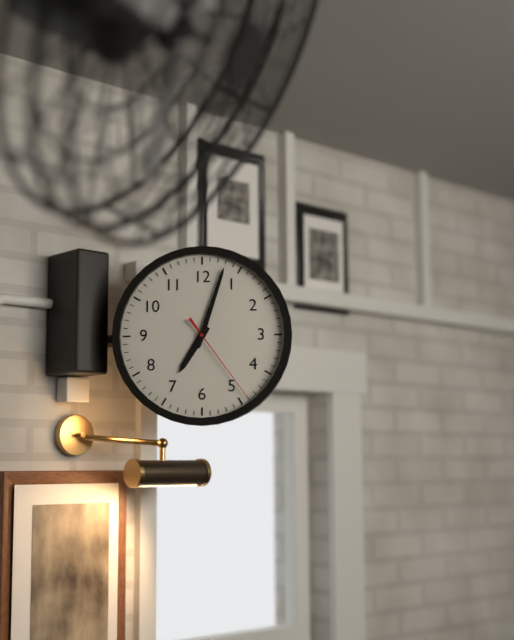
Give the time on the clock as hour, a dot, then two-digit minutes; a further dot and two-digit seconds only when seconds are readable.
7.03.24
